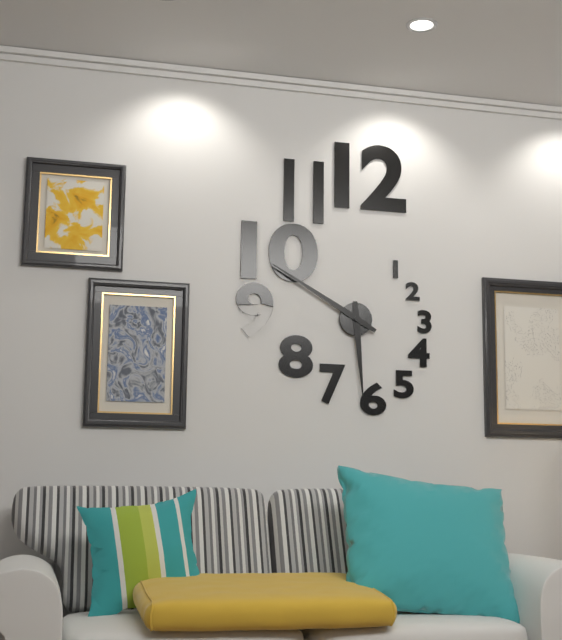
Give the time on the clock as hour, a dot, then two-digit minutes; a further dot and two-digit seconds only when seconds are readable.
5.50
